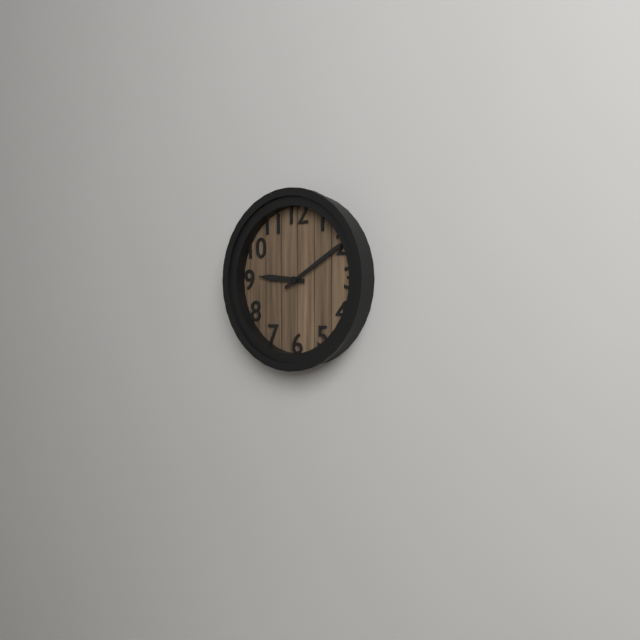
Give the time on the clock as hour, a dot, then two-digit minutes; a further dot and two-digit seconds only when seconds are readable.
9.10
